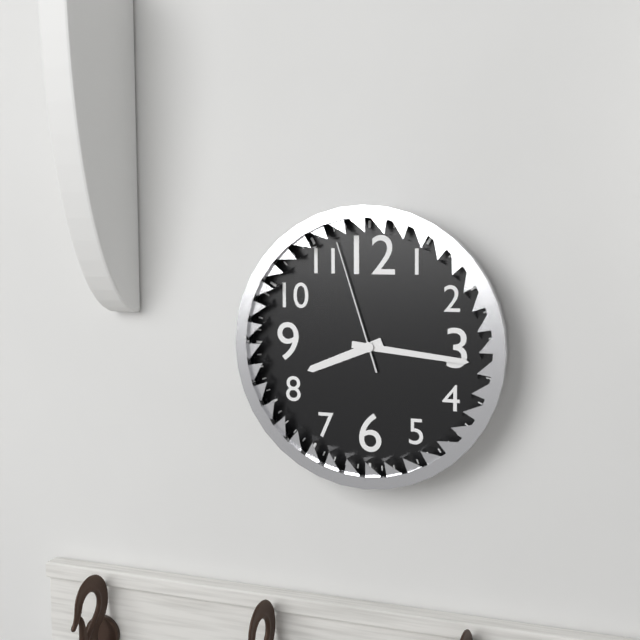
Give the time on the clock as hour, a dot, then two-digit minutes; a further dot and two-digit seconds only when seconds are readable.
8.16.57
